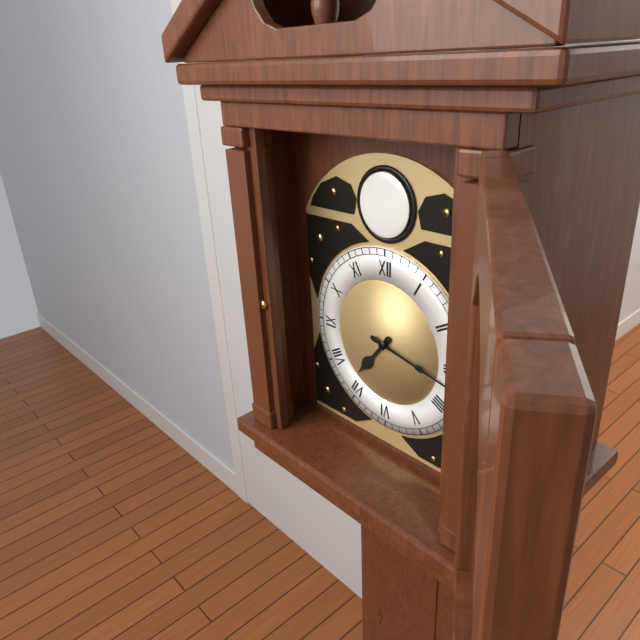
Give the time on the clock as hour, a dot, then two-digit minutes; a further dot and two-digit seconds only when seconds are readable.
7.17
